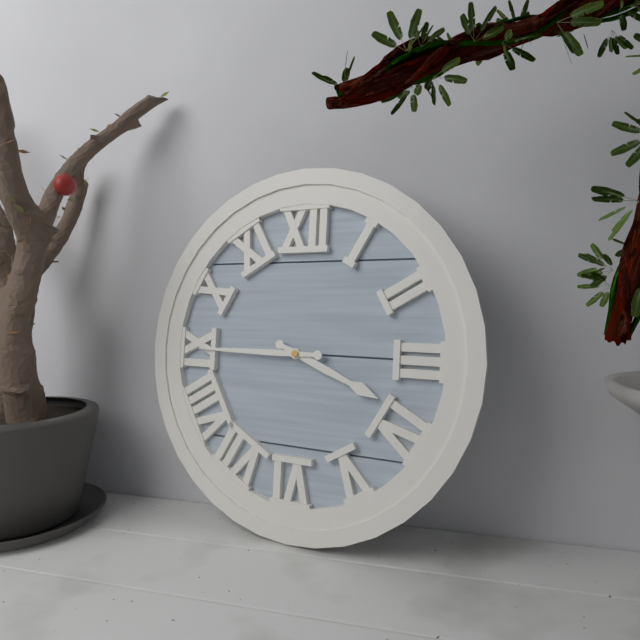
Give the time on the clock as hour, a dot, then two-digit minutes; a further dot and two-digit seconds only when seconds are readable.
3.45
